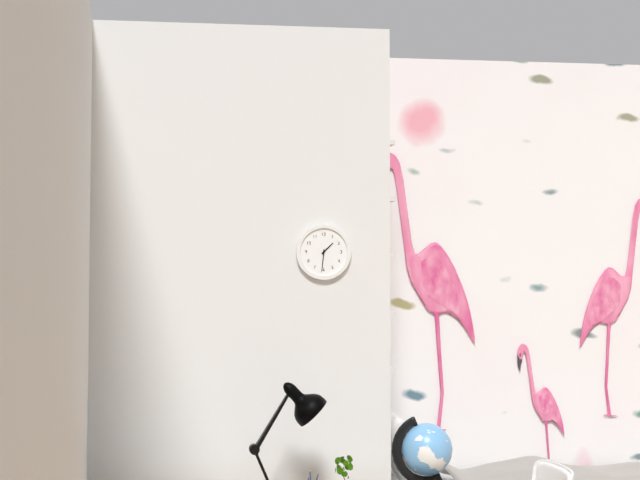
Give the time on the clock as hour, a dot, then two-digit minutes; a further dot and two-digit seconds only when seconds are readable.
1.31
